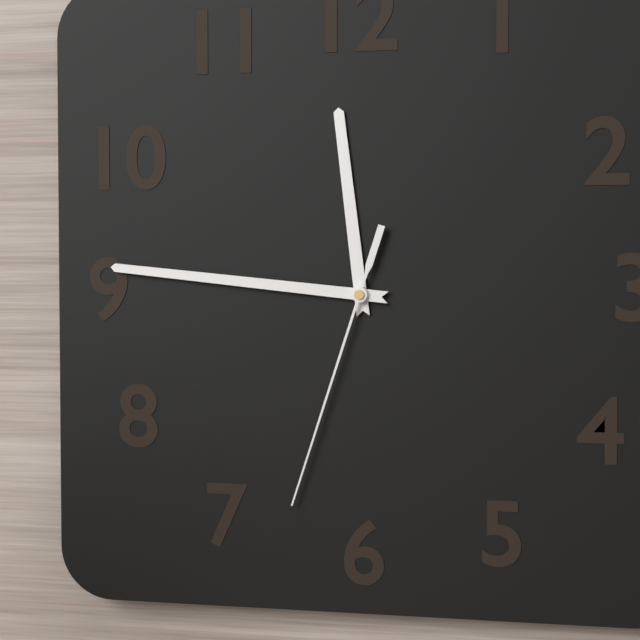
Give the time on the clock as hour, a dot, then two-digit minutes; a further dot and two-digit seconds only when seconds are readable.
11.46.33
